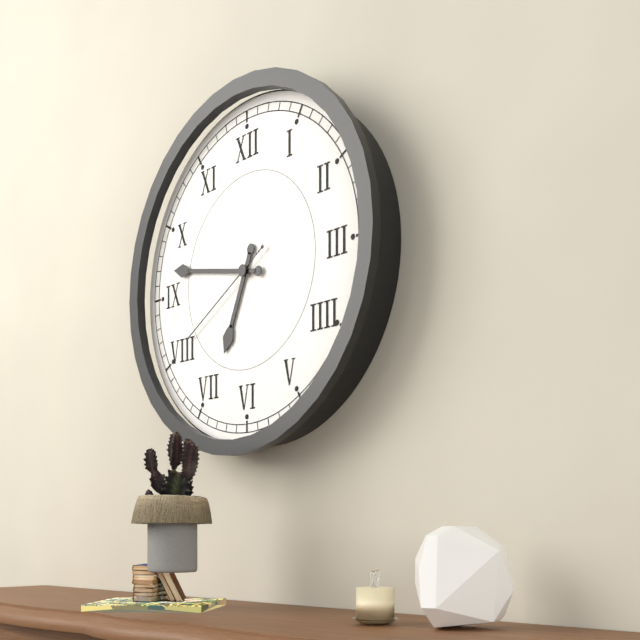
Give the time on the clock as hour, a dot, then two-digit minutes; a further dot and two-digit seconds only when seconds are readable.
6.47.40
